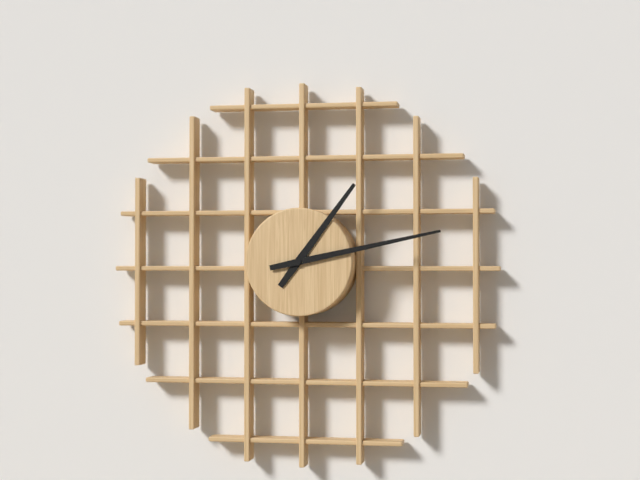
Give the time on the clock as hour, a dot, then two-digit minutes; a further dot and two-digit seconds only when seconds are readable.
1.13
